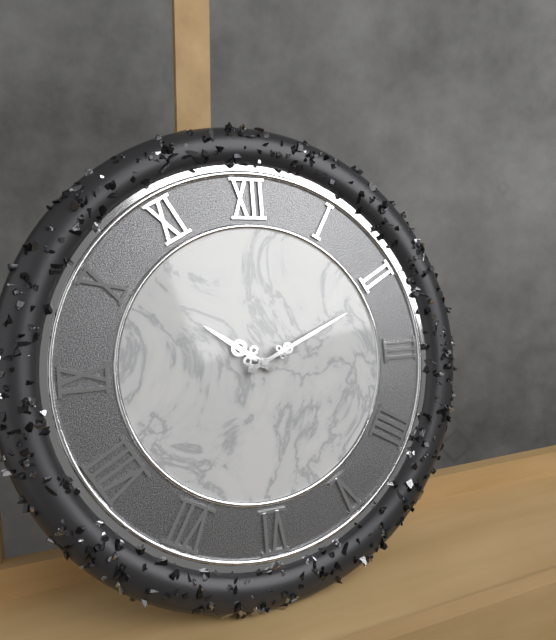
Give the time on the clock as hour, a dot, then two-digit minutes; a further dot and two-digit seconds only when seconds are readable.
10.11
